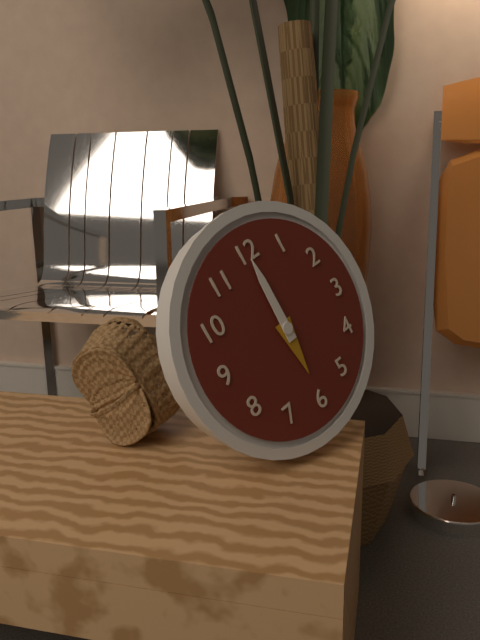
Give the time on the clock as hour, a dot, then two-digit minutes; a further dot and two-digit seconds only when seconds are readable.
6.00
